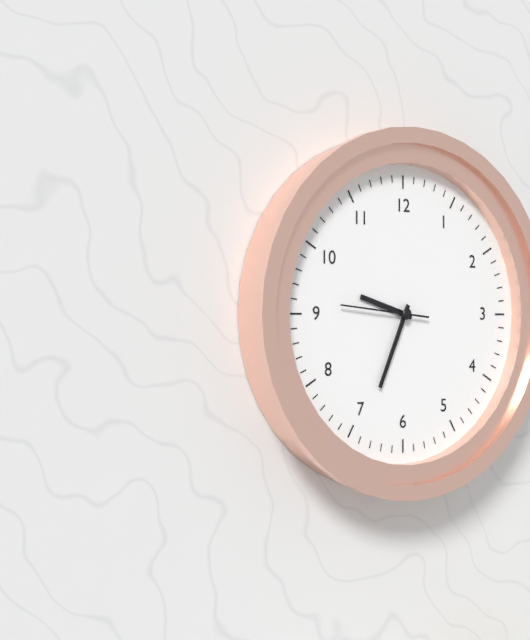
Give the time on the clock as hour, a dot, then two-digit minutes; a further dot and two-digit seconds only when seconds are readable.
9.34.46
